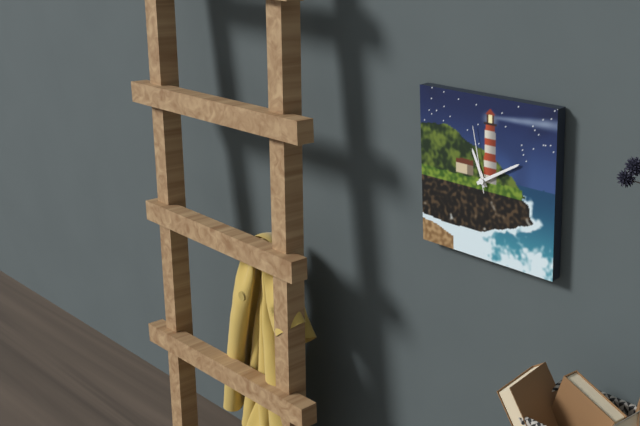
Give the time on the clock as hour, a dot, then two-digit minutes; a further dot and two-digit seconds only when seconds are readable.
11.10.58
